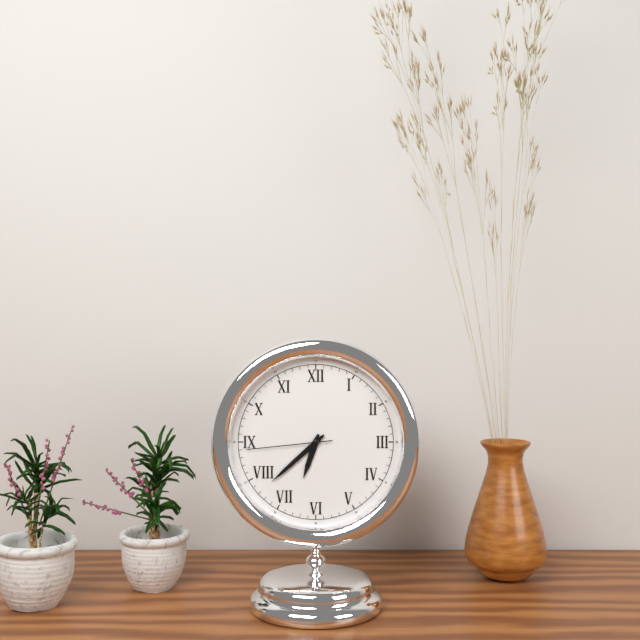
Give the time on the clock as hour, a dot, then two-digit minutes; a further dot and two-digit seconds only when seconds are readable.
6.38.44
